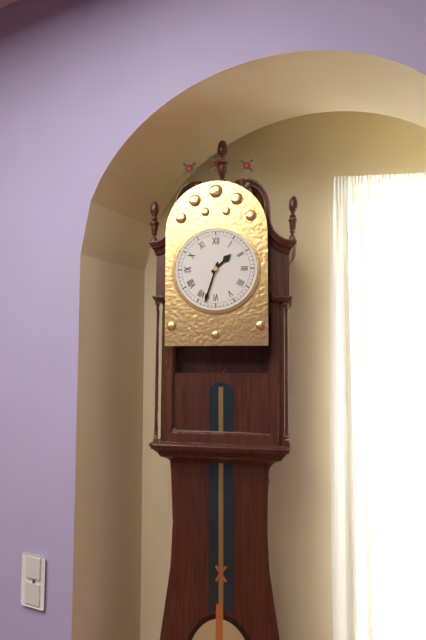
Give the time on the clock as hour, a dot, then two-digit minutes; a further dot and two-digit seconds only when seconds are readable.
1.33
